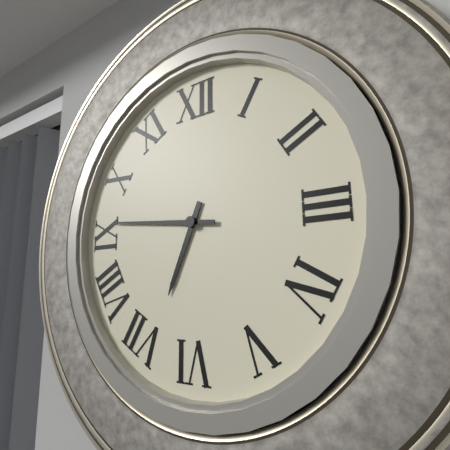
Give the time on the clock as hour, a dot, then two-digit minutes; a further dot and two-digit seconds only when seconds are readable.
6.46
